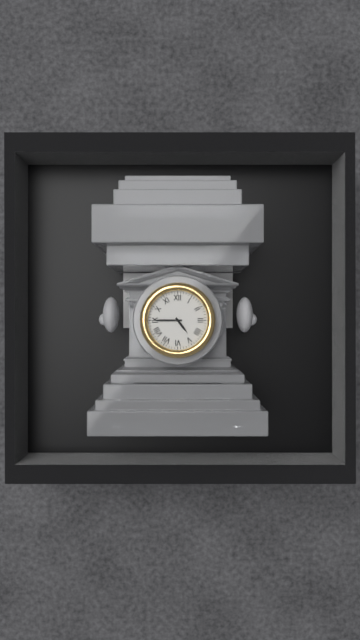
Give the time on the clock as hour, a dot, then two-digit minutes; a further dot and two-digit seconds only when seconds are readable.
4.45
